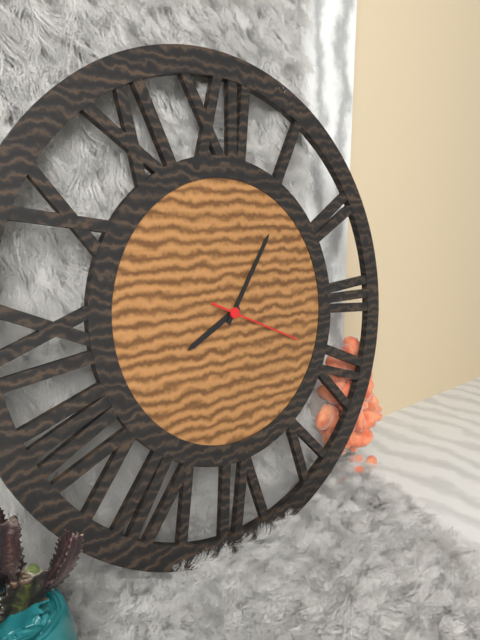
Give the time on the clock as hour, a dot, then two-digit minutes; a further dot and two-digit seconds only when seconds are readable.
8.06.19
